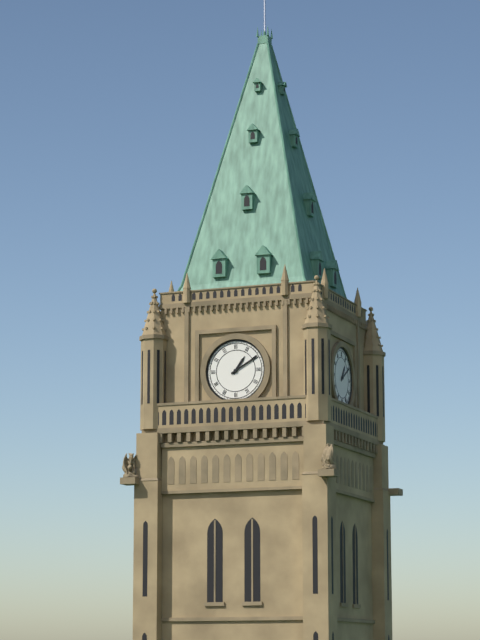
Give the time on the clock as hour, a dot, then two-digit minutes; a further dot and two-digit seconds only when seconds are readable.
1.10
